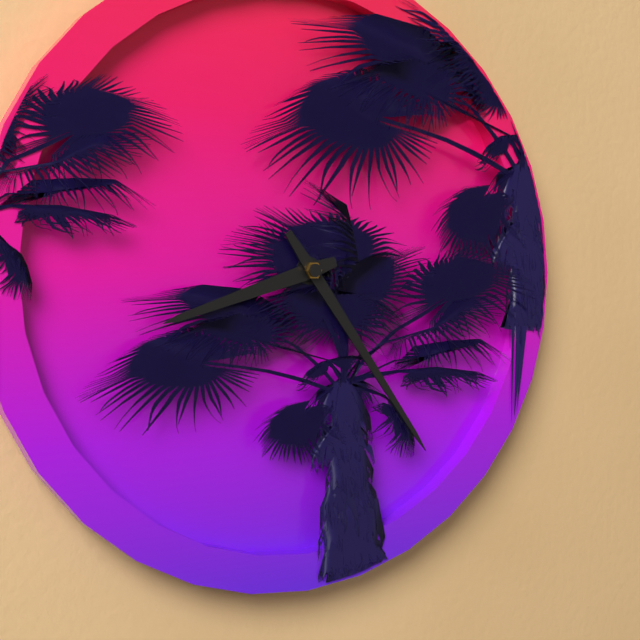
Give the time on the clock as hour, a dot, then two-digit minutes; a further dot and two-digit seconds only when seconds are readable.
8.24
